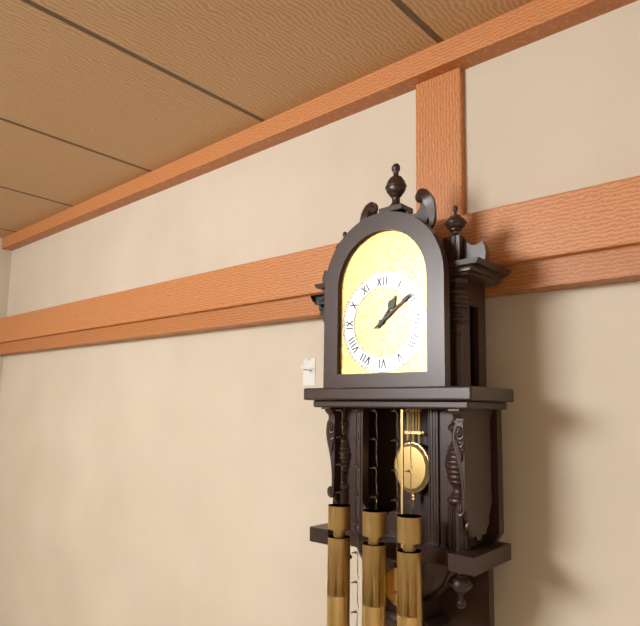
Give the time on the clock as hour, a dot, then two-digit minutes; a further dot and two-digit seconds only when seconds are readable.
1.09
